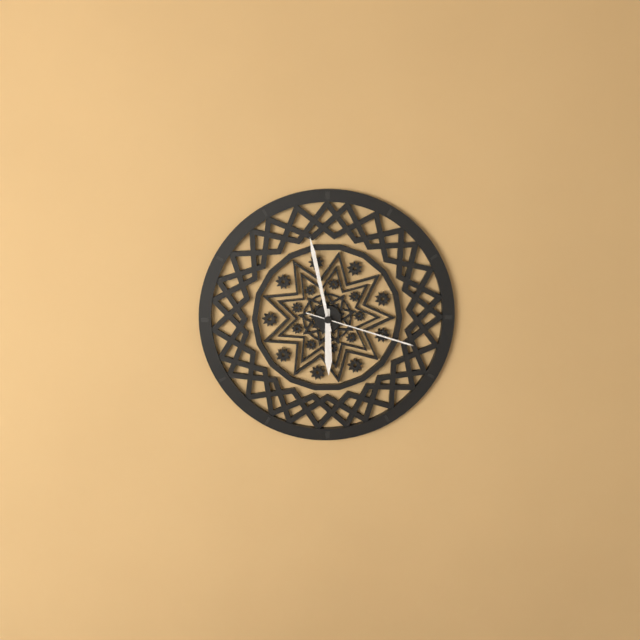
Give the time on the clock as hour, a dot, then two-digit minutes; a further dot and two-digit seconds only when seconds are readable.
5.58.18
